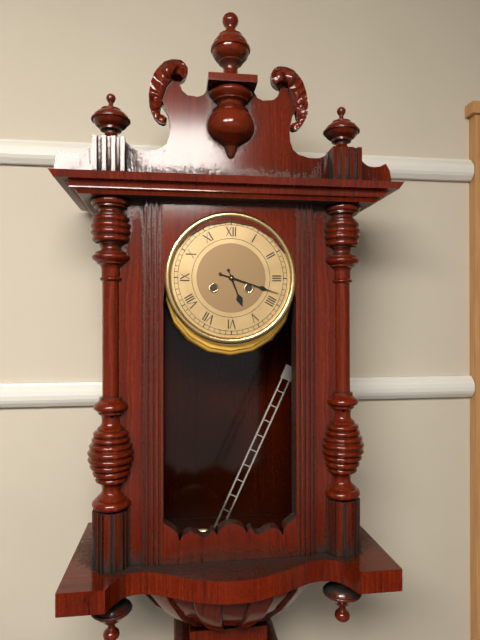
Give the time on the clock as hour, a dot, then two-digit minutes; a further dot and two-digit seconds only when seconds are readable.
5.18
